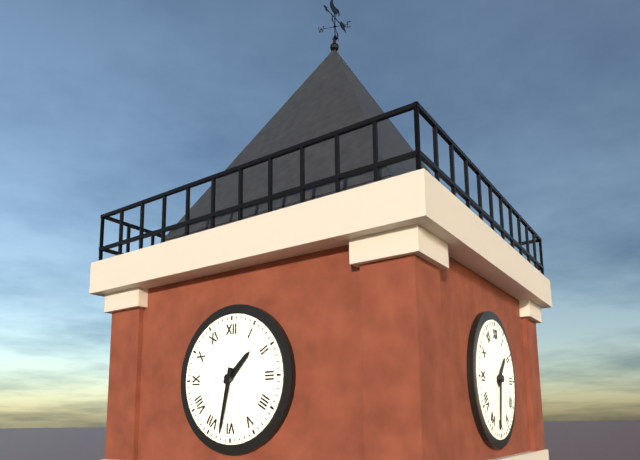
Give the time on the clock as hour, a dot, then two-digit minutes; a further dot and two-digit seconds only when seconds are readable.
1.32
